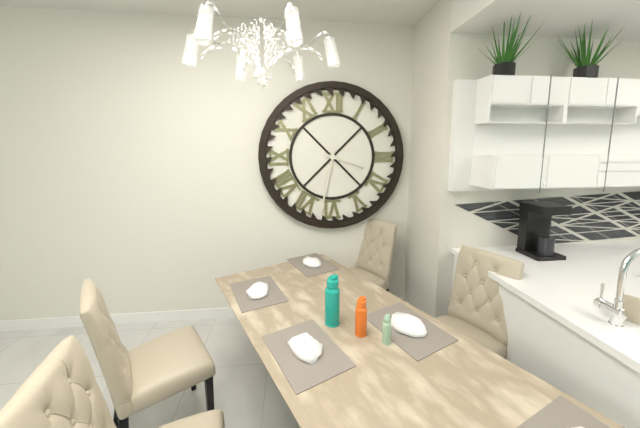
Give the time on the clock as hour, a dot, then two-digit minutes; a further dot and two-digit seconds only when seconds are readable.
3.32
